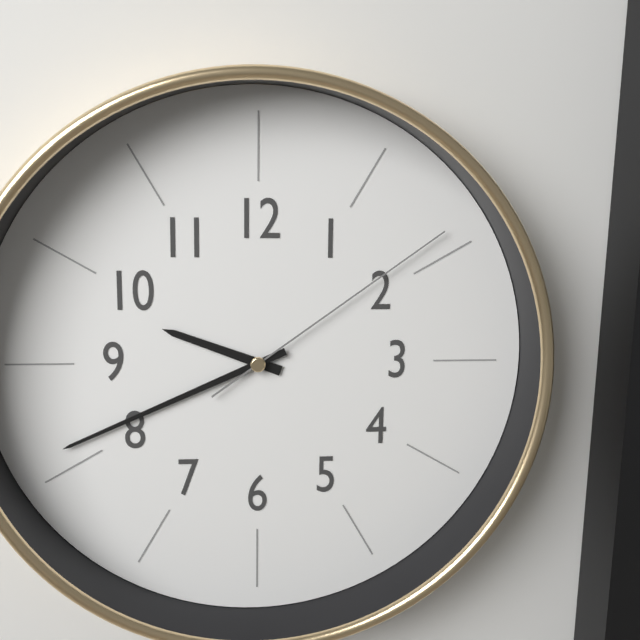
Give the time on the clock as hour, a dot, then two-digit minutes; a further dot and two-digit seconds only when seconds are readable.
9.41.09
